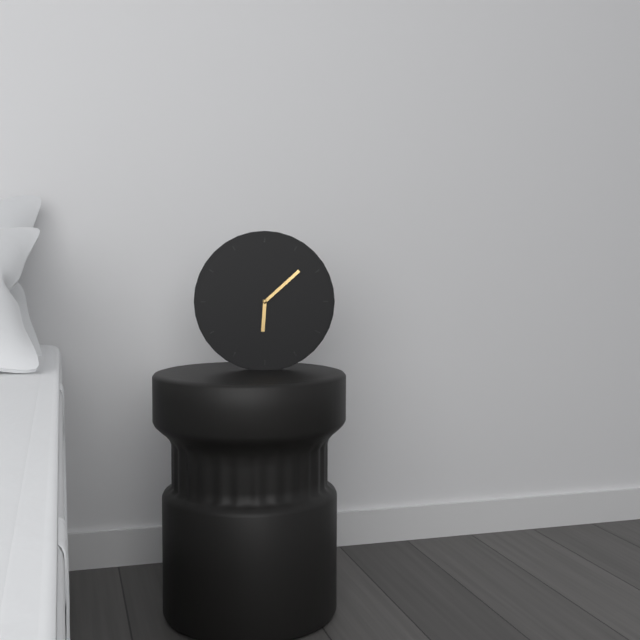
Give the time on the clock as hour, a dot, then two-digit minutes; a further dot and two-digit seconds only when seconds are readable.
6.08
